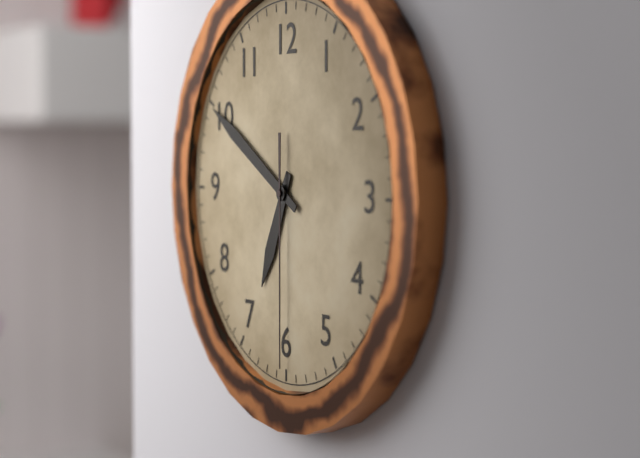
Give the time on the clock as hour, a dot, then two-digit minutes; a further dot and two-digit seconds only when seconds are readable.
6.50.30
